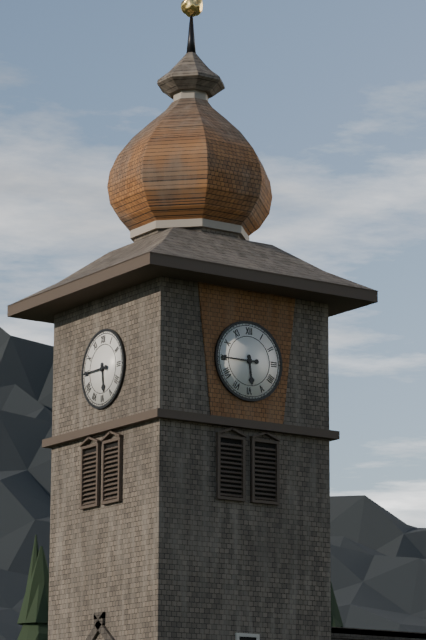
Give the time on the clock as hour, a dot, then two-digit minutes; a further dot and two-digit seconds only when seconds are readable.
5.45
